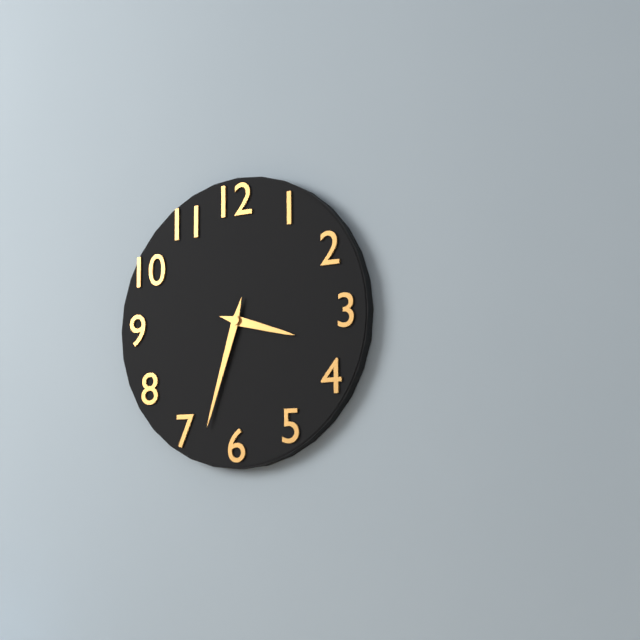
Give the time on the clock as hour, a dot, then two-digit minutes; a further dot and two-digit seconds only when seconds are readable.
3.33
